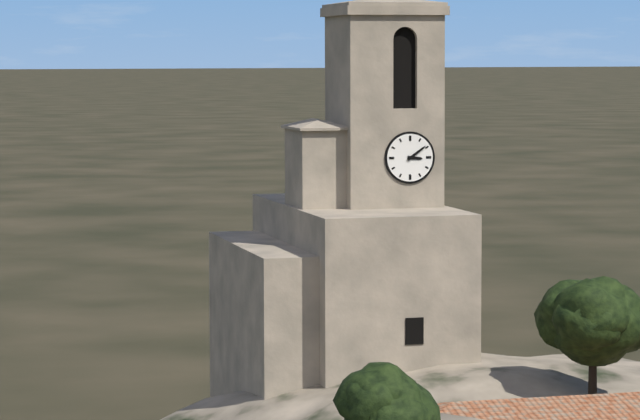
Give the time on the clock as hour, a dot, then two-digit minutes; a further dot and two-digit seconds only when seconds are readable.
3.09
